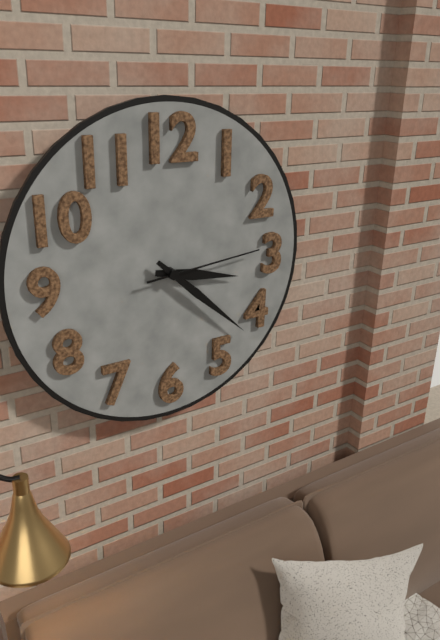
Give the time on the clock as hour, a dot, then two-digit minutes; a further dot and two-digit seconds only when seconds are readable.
3.22.14
